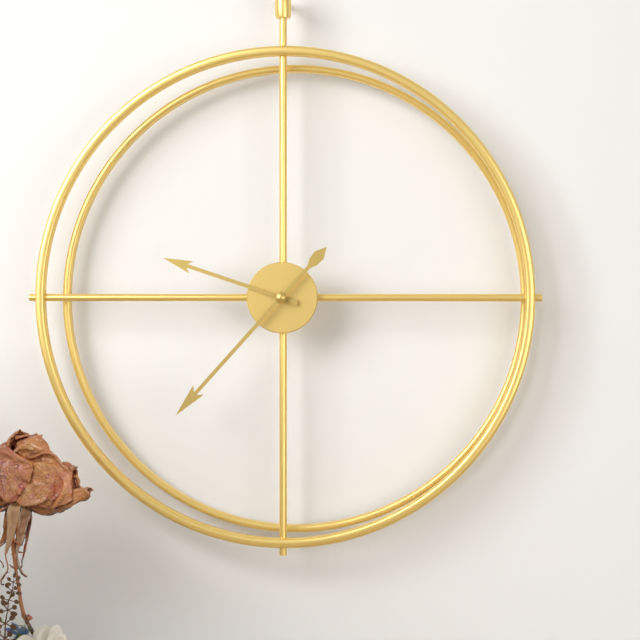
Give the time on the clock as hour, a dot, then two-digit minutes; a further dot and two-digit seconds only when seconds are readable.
9.37
